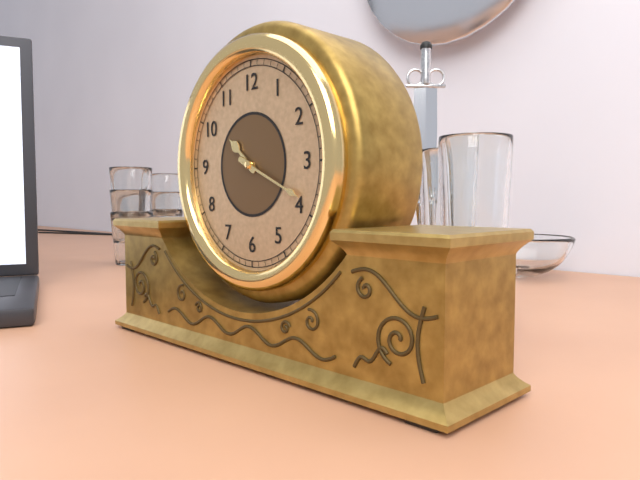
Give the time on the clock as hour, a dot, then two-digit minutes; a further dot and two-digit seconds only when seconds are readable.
10.19
